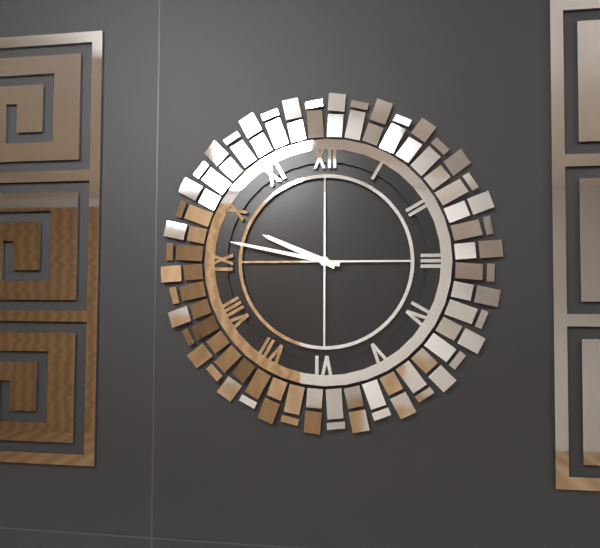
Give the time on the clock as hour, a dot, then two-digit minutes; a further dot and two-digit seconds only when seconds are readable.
9.47
